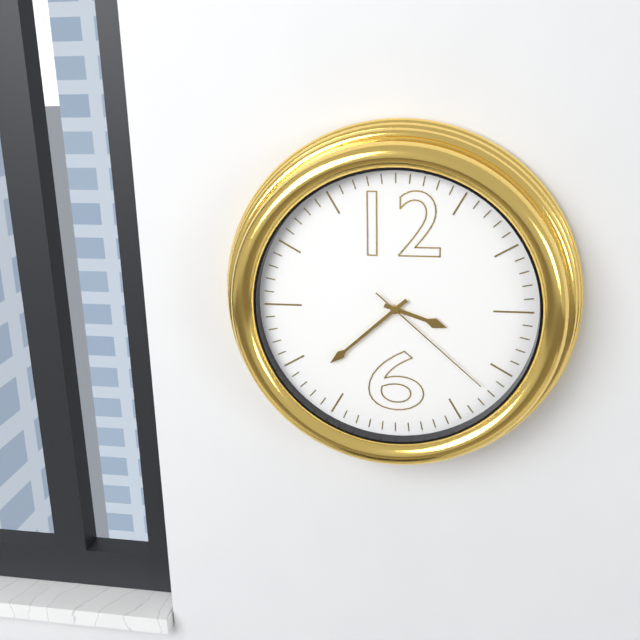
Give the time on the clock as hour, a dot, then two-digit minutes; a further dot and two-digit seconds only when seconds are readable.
3.38.22
